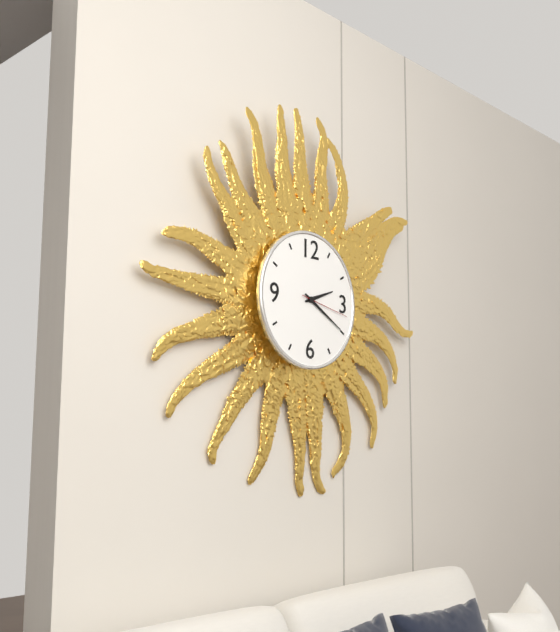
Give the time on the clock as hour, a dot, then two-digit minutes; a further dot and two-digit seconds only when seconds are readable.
2.20.17
